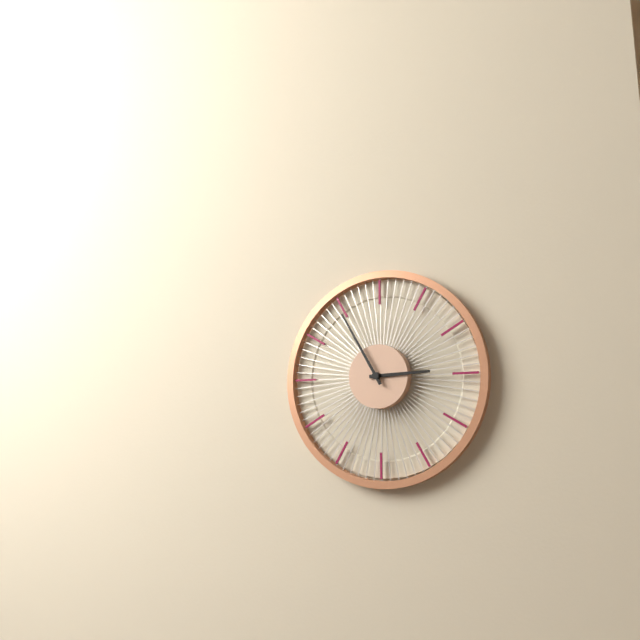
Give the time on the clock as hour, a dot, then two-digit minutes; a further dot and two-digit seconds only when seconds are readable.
2.55
